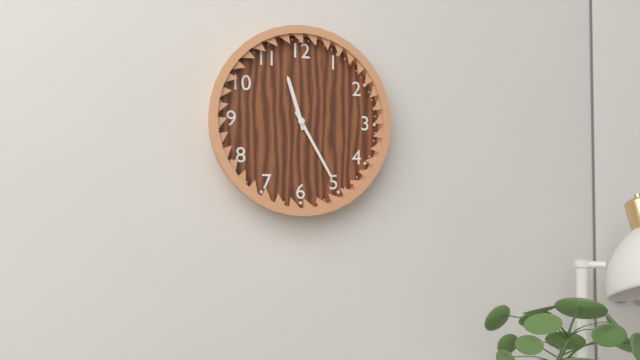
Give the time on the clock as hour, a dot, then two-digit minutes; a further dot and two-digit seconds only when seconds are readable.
11.25
